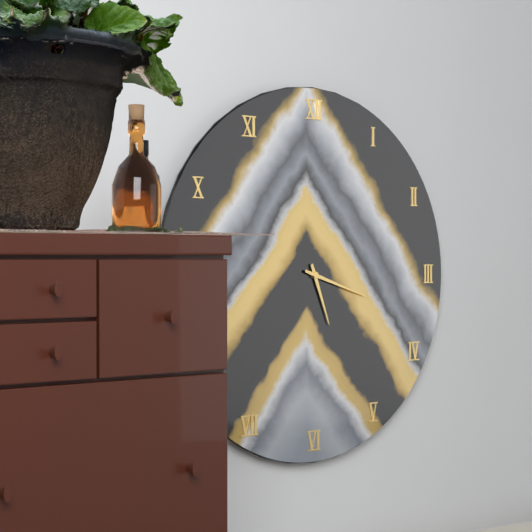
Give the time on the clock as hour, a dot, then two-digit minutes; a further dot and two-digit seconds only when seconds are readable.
5.18
